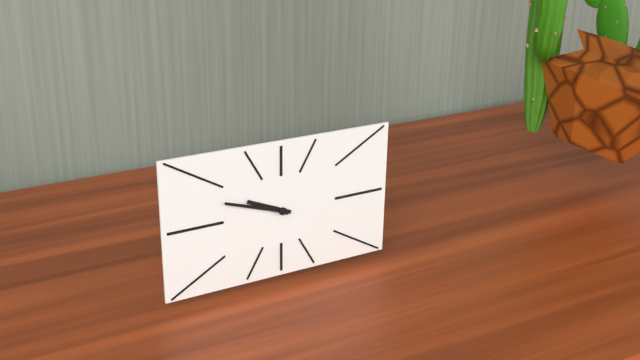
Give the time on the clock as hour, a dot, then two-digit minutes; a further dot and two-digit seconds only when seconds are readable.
9.48
